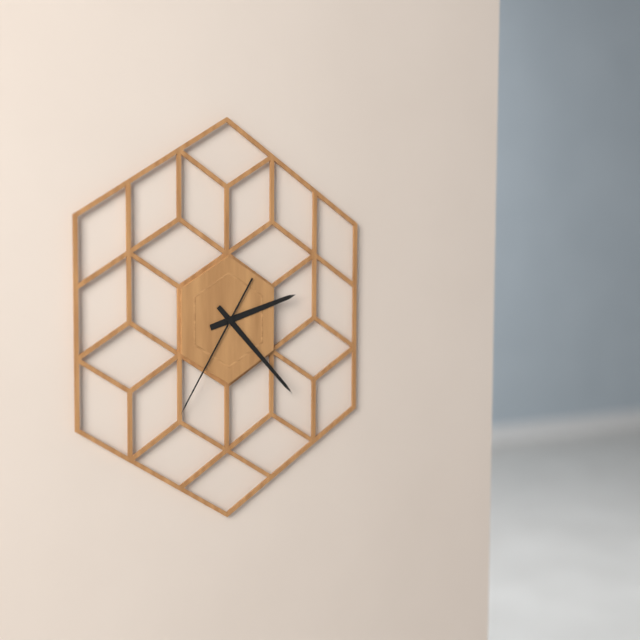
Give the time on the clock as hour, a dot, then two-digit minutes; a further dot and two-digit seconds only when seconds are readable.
2.23.35
